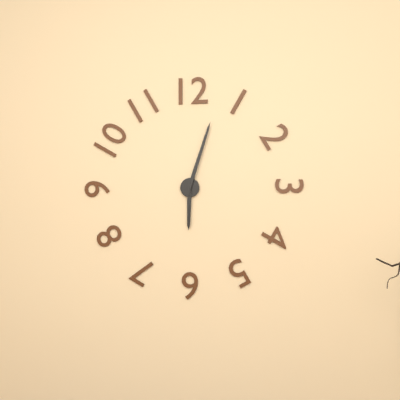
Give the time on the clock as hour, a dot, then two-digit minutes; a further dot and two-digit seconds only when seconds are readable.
6.03
